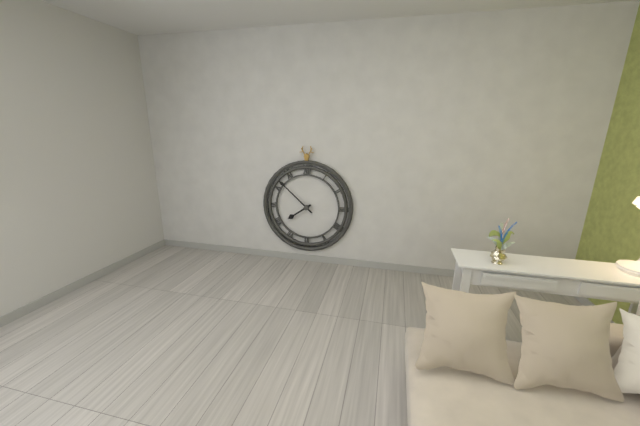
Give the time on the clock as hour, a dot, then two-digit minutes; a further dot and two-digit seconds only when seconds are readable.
7.52
